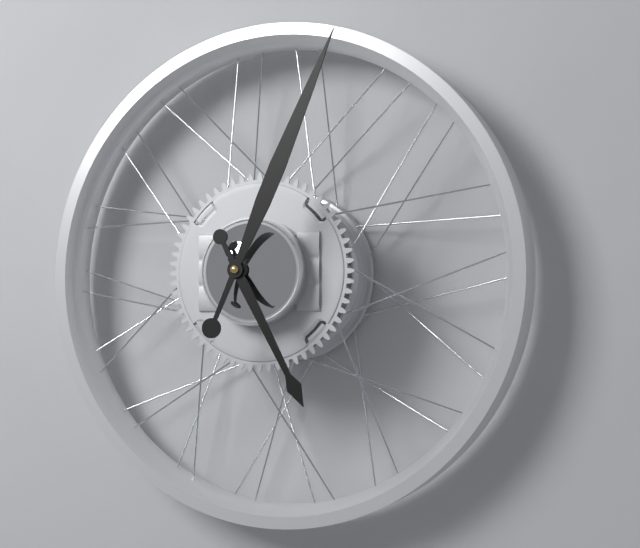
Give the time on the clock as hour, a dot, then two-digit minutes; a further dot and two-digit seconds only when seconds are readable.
5.04
